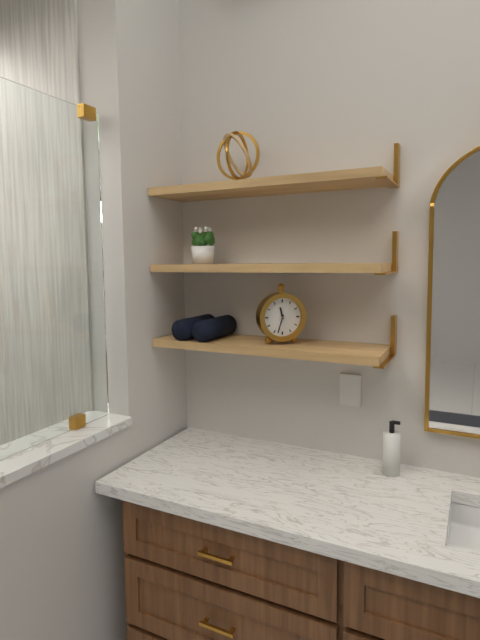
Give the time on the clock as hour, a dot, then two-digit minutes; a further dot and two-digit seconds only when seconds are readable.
11.33
